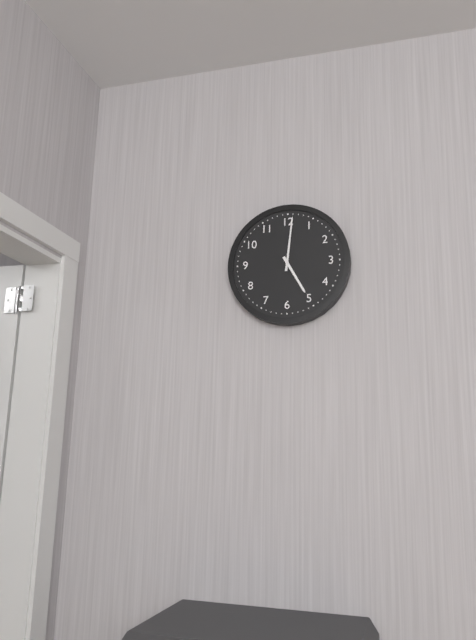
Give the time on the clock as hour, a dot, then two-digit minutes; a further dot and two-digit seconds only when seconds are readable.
5.01
